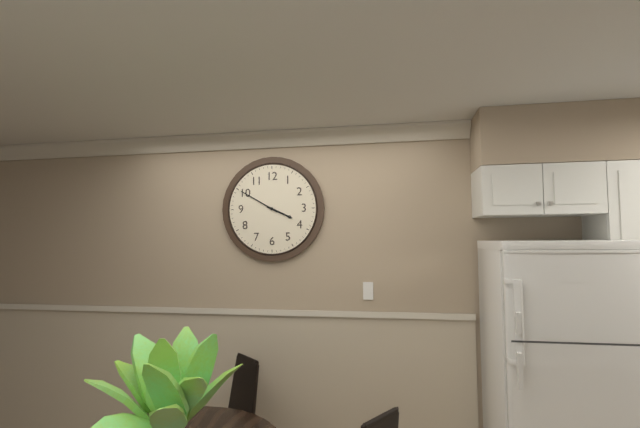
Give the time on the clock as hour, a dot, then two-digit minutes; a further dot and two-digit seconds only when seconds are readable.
3.50
